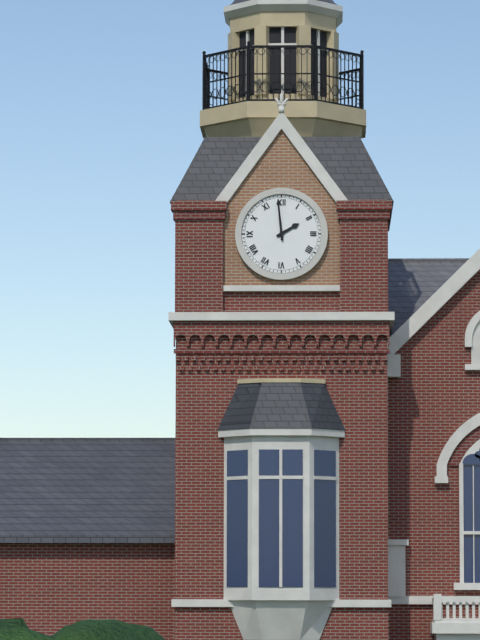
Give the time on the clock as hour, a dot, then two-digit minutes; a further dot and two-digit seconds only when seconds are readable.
1.59
